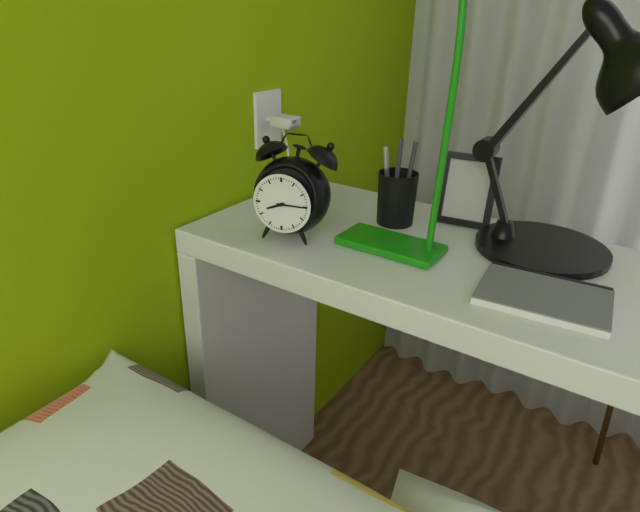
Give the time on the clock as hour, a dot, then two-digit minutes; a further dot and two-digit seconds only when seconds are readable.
8.15
